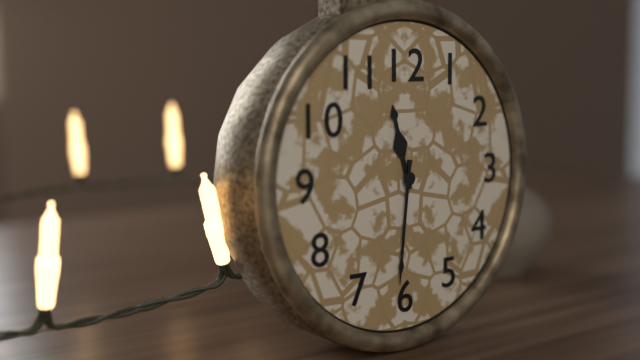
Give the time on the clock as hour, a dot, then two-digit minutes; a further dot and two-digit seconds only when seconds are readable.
11.31
